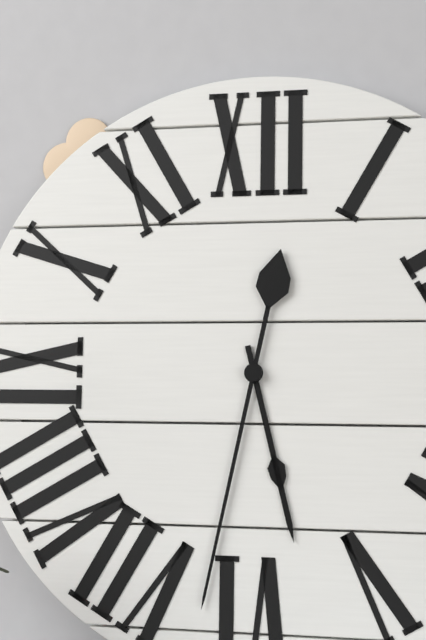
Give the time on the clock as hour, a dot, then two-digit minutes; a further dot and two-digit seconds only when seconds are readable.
5.32
